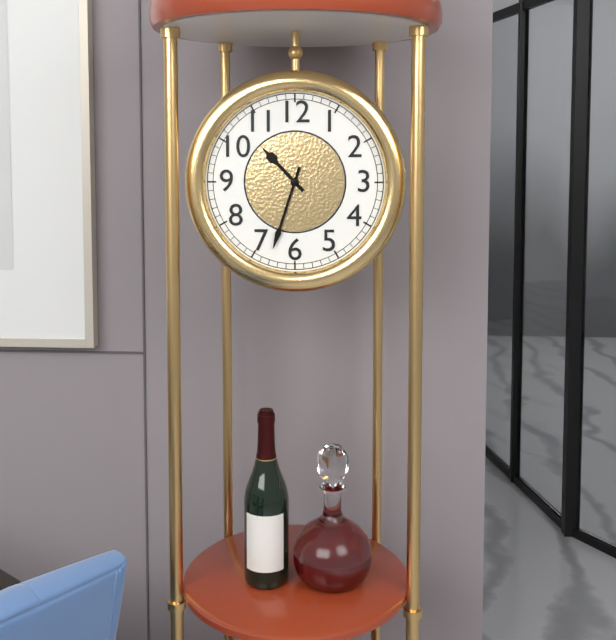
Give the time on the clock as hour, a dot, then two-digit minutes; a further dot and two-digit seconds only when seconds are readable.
10.33
